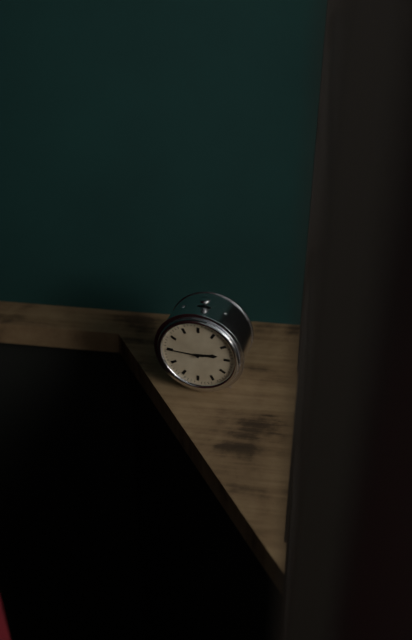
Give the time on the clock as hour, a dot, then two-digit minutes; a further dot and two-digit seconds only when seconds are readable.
2.45
